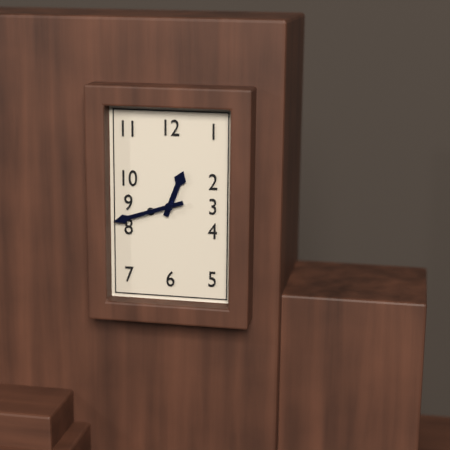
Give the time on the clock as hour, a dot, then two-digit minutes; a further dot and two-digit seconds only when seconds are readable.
12.42
